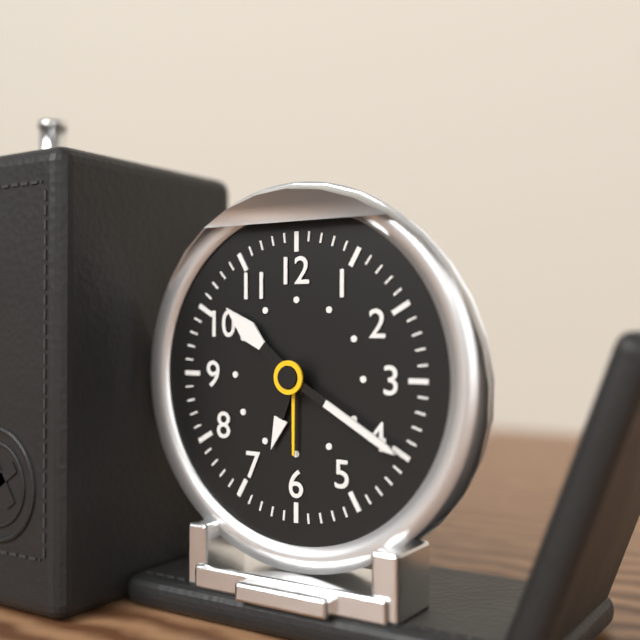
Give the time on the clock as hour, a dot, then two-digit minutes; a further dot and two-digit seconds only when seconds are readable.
10.20
